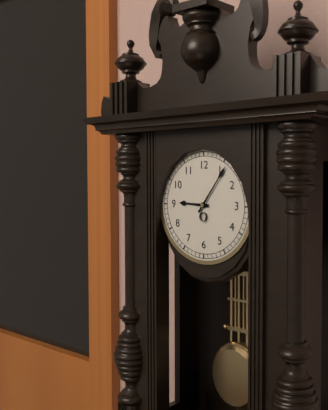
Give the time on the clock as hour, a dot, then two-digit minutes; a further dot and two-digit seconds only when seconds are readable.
9.06
